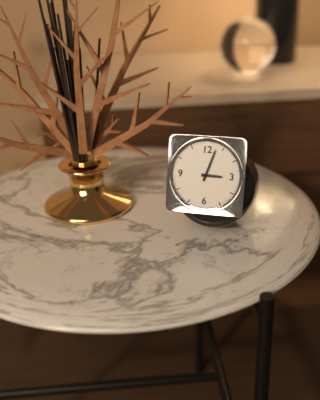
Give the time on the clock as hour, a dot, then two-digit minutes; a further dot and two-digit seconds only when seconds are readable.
3.03
